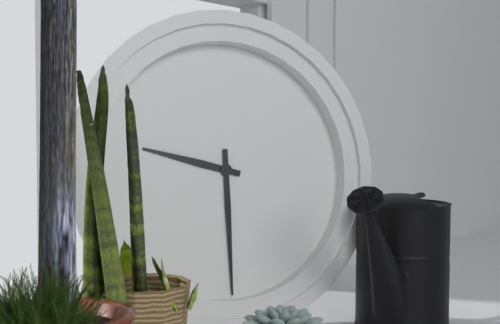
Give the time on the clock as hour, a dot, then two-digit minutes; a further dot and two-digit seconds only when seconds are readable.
9.30
